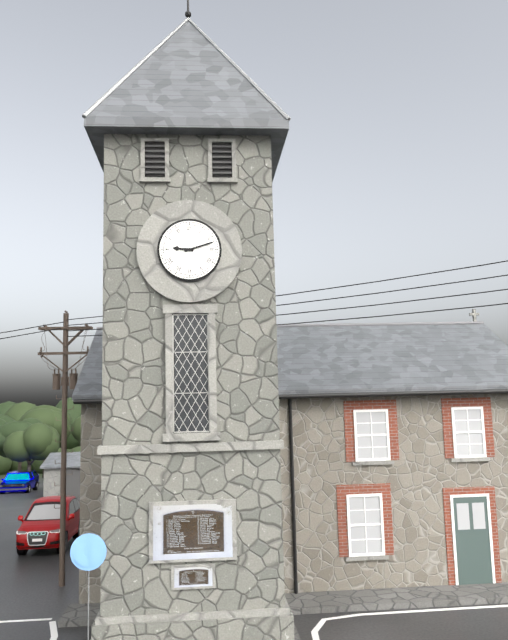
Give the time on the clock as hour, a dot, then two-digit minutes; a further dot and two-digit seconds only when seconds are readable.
9.12
